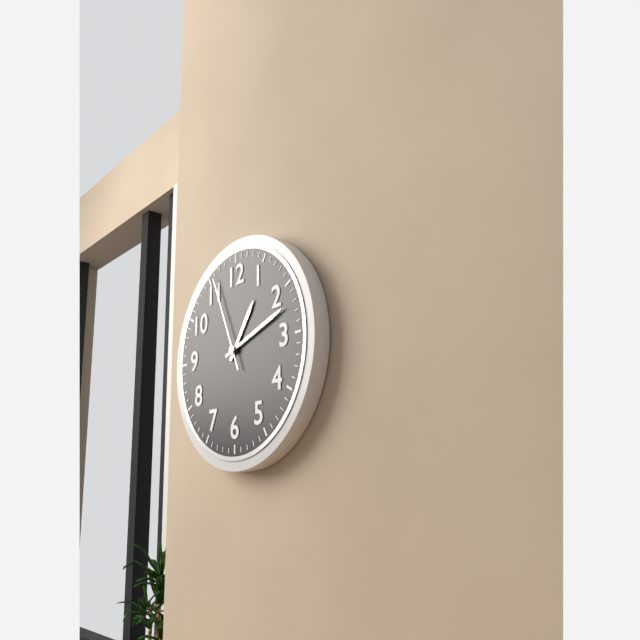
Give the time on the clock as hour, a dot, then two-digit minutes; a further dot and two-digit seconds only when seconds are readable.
1.12.56
